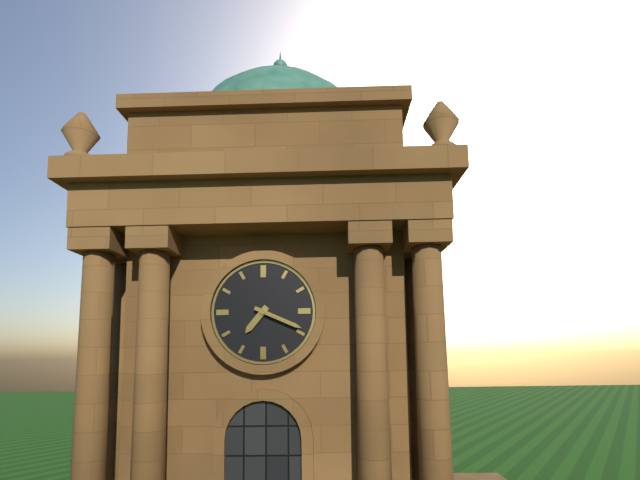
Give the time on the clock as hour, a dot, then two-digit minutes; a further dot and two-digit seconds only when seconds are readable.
7.19
